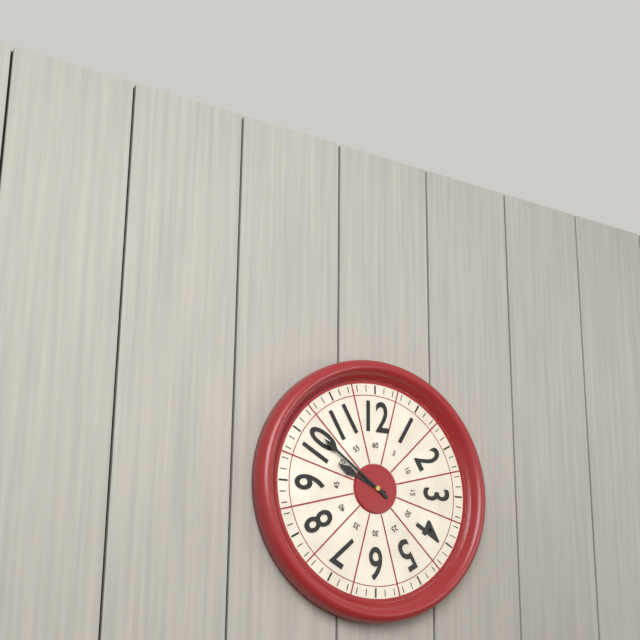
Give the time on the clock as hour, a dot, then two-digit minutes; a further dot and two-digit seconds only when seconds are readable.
9.51
